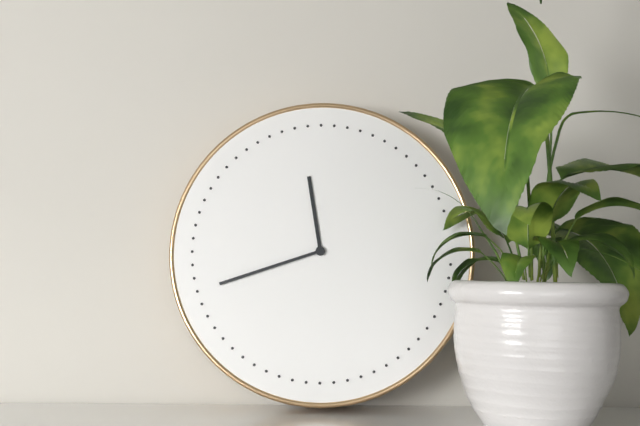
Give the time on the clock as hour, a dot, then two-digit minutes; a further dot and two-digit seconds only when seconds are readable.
11.42
